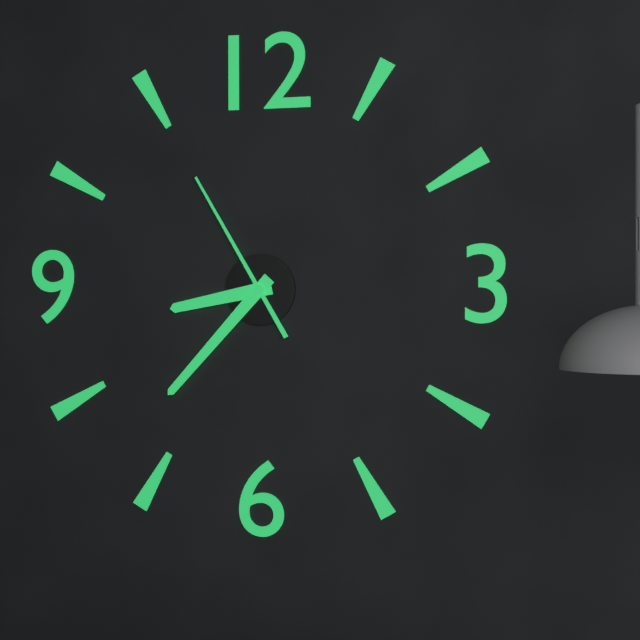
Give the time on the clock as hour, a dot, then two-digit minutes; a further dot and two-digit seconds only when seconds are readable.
8.37.55
